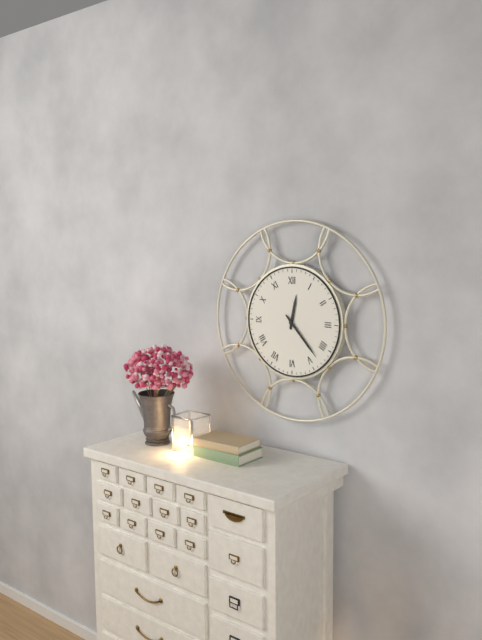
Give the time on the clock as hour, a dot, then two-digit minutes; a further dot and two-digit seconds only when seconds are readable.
12.23
